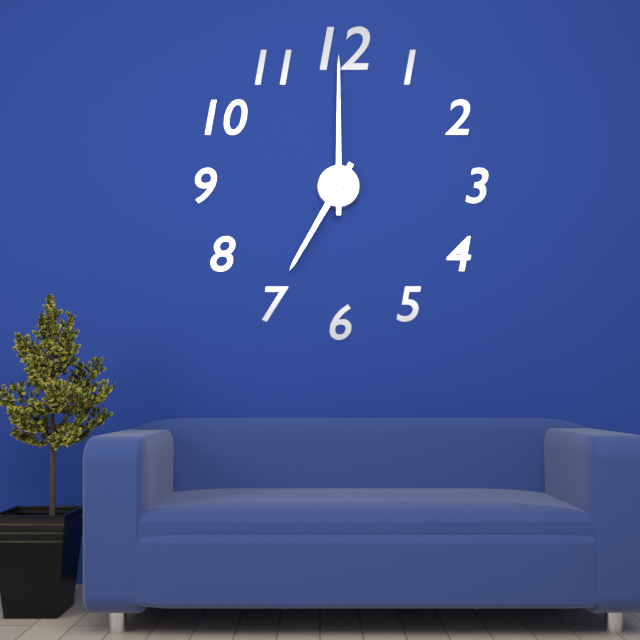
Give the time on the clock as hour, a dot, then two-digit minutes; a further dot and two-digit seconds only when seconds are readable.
7.00
